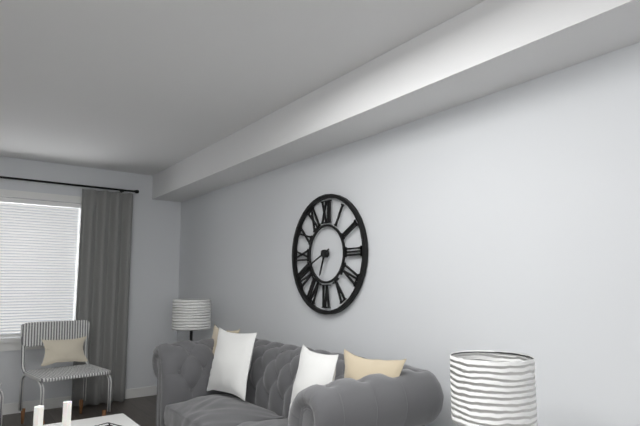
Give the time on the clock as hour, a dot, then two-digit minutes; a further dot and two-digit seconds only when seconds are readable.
6.41
